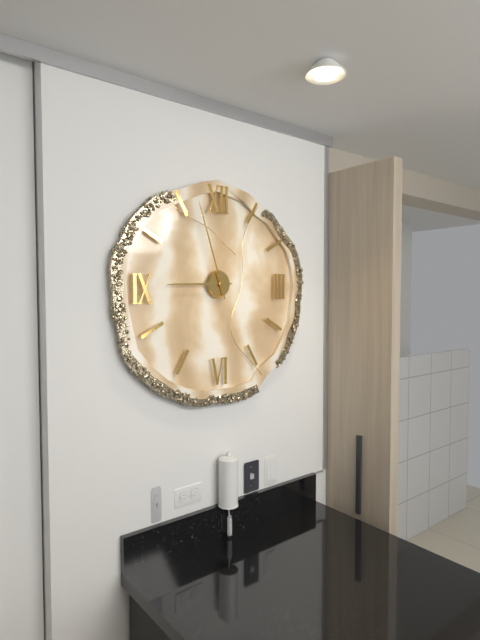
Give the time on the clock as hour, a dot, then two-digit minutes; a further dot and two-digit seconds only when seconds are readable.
8.57
